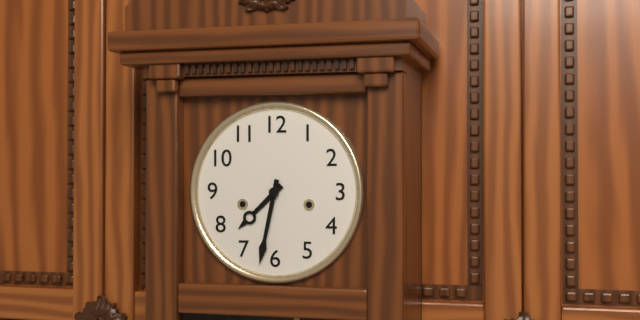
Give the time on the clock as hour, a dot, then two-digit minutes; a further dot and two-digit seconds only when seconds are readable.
7.32
